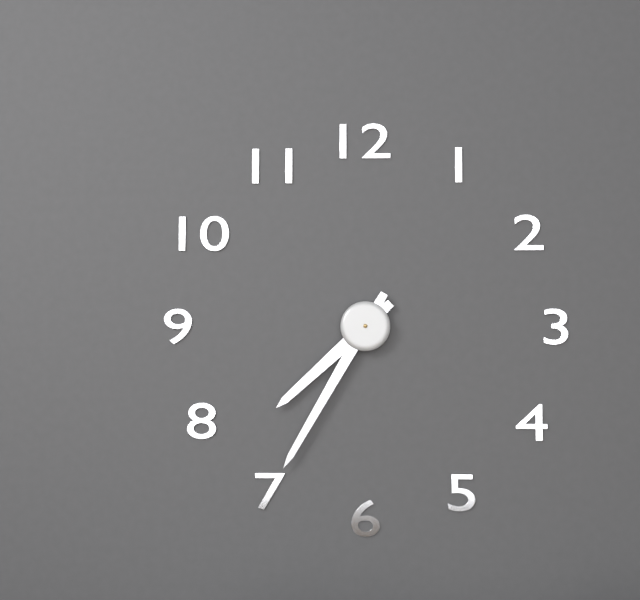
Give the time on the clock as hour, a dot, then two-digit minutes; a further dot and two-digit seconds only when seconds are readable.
7.35
